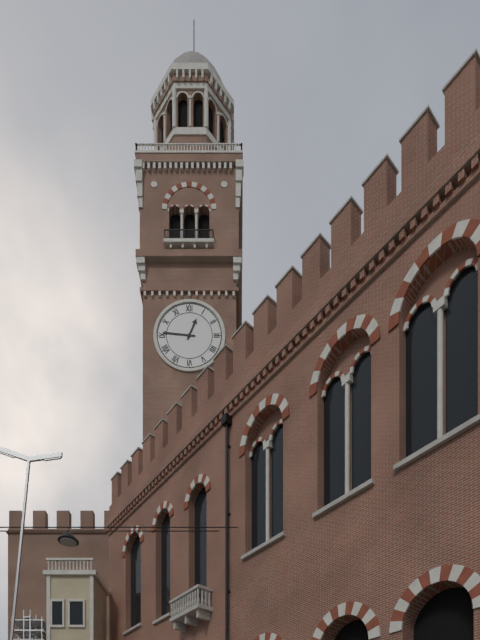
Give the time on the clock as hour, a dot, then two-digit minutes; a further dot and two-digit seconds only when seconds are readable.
12.46
